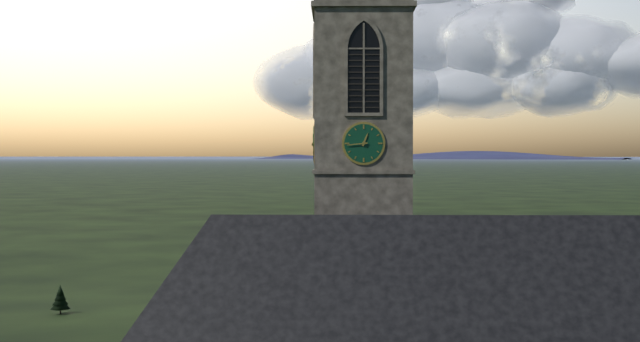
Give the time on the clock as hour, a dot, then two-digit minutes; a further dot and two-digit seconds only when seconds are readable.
12.44
